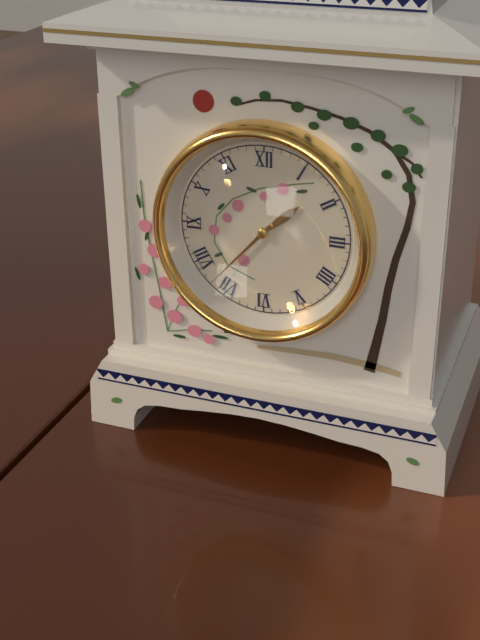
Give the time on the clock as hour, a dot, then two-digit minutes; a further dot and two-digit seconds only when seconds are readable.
1.37
